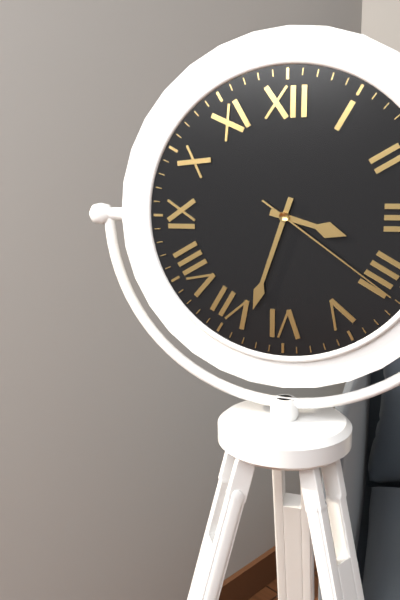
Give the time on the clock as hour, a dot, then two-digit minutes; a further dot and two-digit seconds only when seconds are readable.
3.33.21
